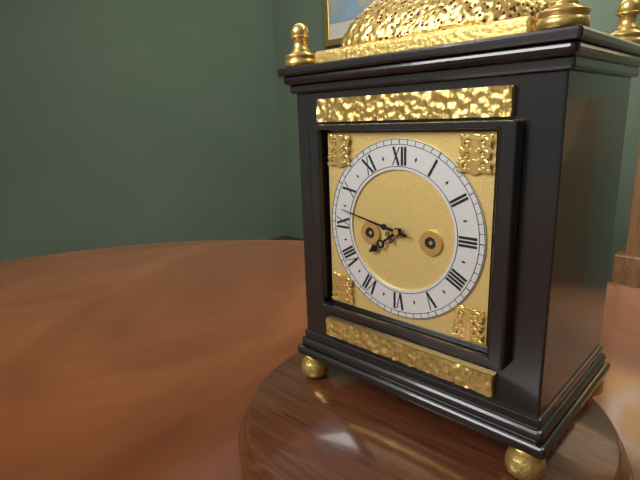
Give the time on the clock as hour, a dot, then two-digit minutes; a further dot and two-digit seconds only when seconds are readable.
7.47
